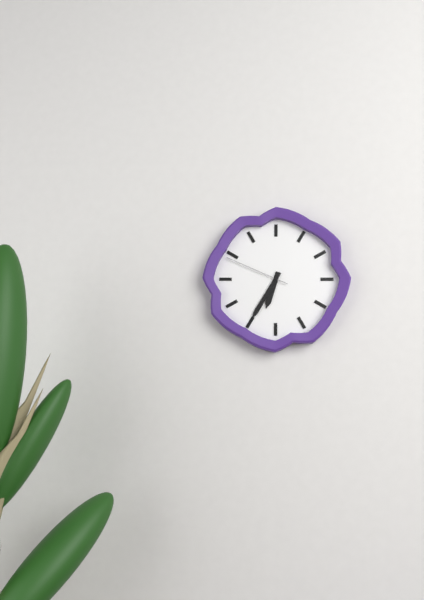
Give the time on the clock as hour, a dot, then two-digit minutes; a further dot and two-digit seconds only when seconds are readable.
6.35.49
